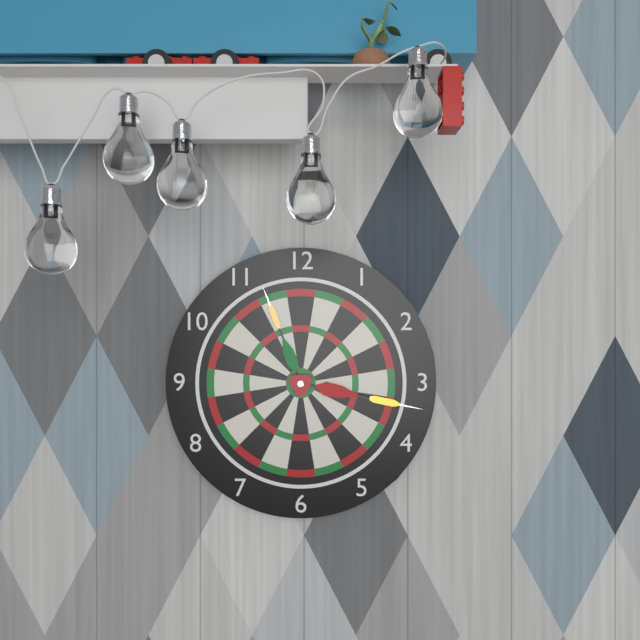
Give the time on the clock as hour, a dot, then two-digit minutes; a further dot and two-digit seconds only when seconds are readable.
11.17
